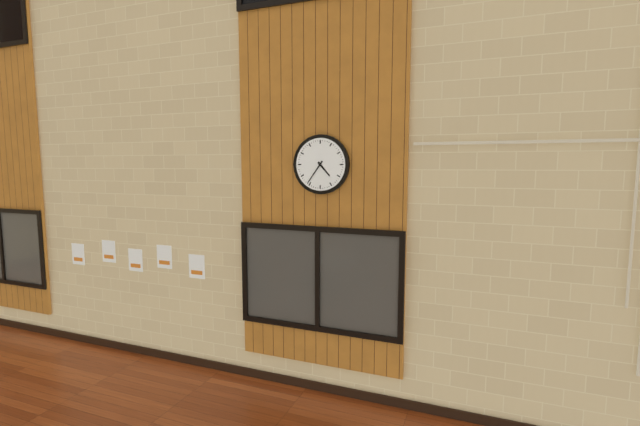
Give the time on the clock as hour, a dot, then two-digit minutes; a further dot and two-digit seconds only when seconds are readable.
4.36
